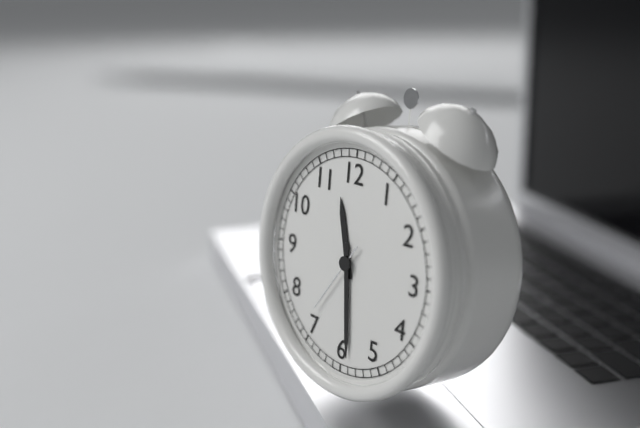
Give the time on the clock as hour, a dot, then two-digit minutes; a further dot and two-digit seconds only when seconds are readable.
11.29.36
